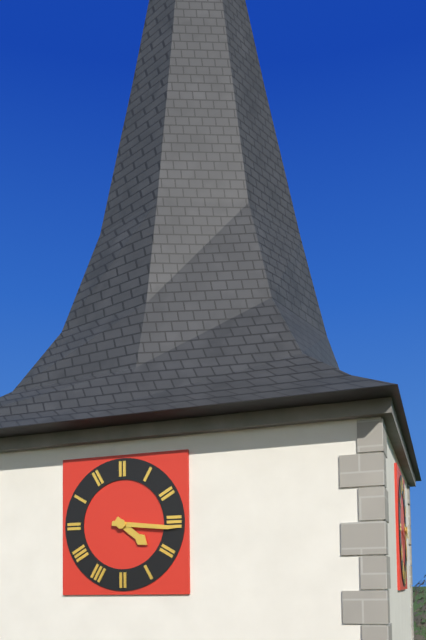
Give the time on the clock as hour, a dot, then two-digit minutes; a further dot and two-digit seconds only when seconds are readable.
4.16
